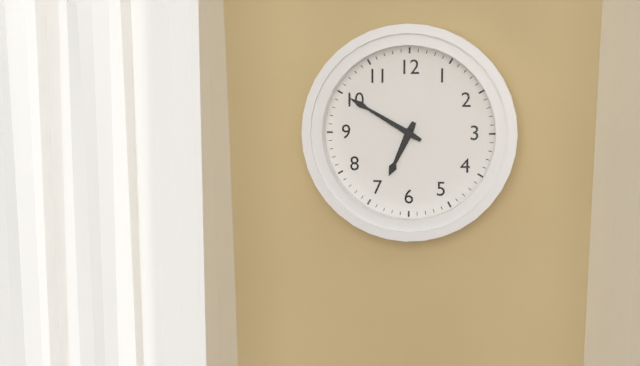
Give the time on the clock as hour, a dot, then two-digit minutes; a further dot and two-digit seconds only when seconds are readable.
6.50
